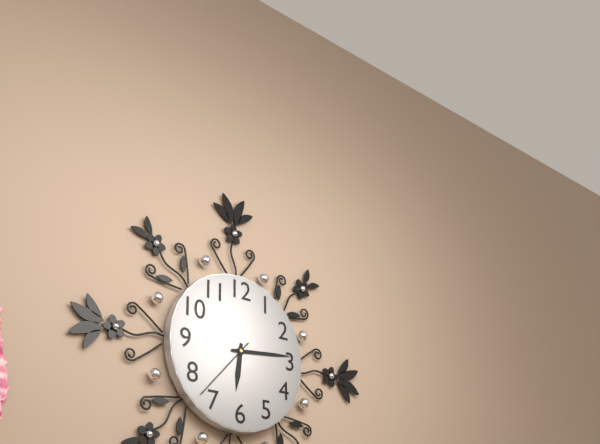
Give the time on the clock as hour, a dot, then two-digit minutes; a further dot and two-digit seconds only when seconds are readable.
6.14.37
